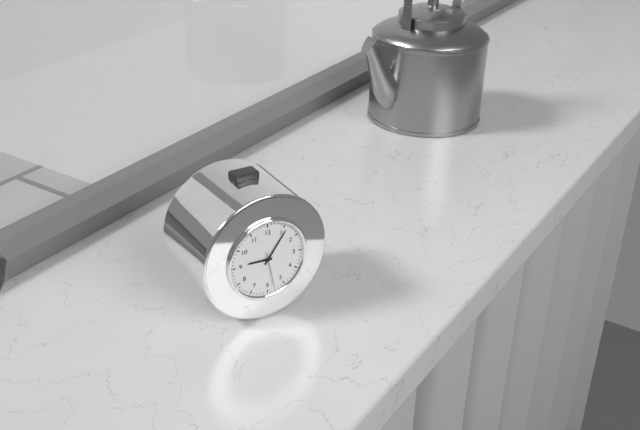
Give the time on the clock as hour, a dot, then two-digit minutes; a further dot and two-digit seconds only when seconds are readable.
9.06
